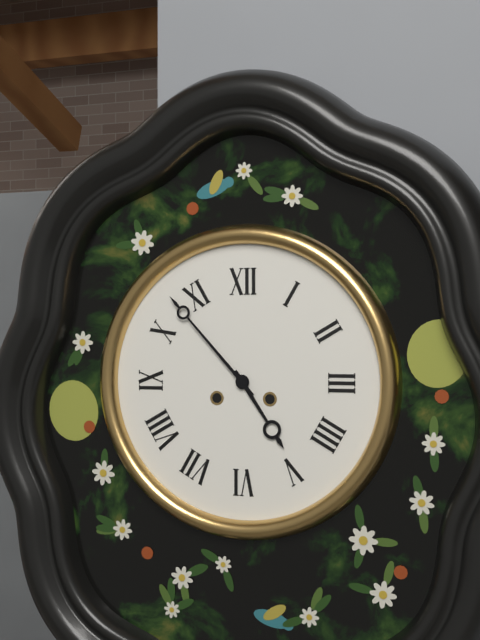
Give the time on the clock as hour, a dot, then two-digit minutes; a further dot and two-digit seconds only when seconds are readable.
4.53
